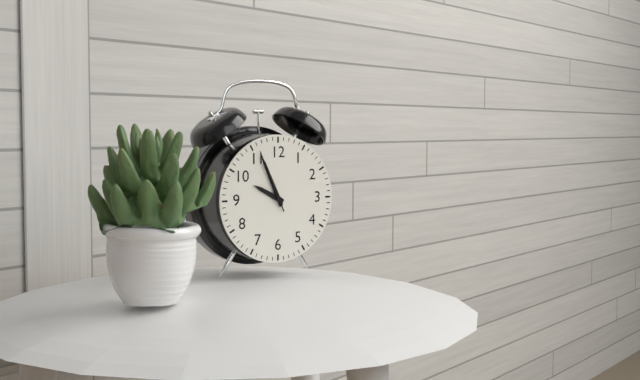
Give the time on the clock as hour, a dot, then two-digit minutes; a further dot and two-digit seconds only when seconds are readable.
9.56.56
